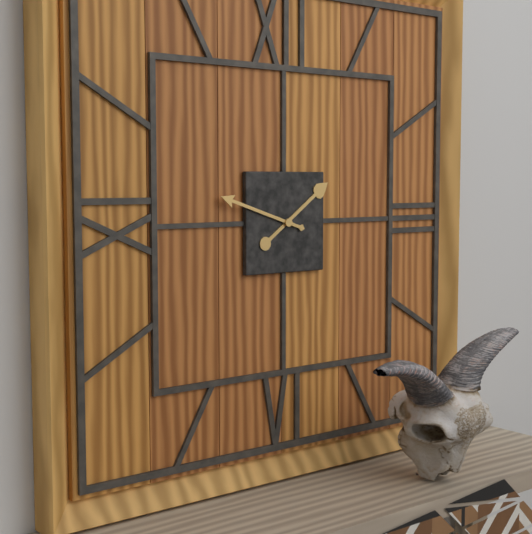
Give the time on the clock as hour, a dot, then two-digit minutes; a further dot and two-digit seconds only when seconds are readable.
1.48
